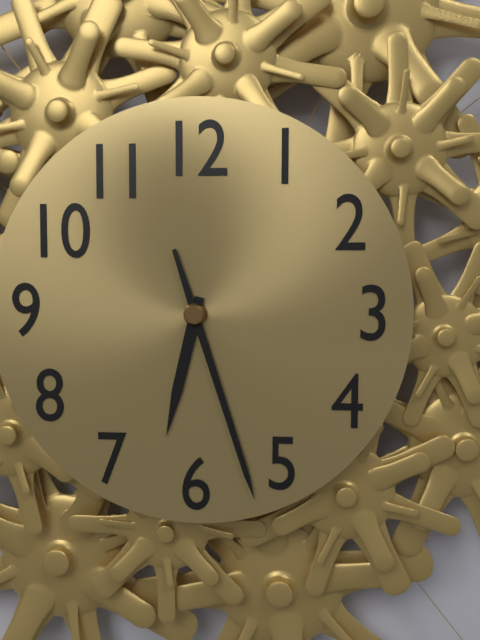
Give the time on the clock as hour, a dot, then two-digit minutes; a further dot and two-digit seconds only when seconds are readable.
6.27
